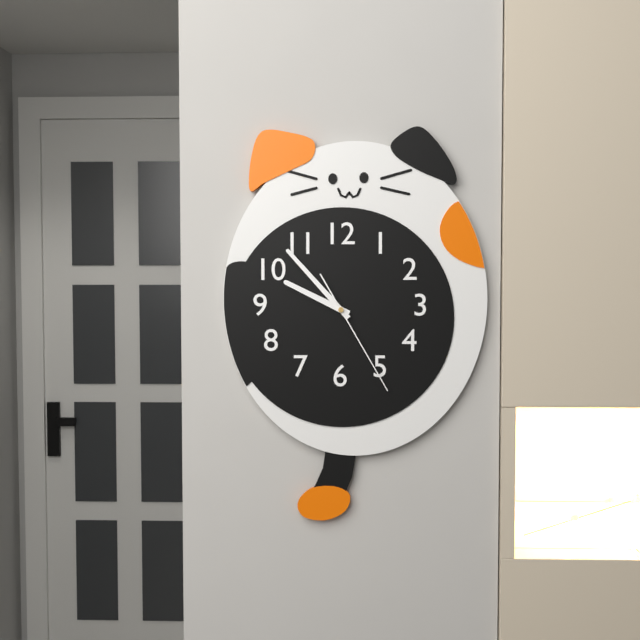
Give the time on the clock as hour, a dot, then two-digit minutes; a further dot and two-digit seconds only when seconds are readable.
9.53.25
